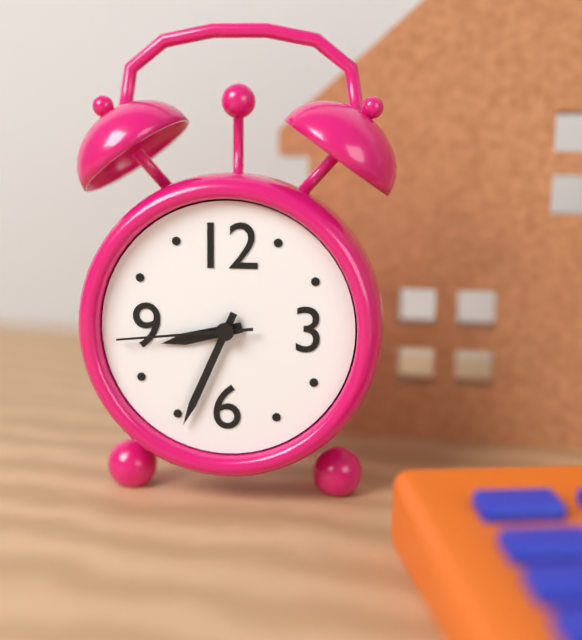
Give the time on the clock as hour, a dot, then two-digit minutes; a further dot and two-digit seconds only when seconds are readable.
8.34.44
